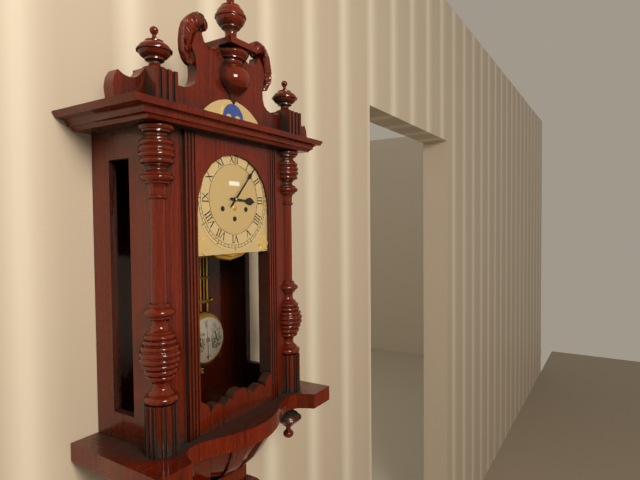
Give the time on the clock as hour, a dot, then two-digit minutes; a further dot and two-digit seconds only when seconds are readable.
3.07
